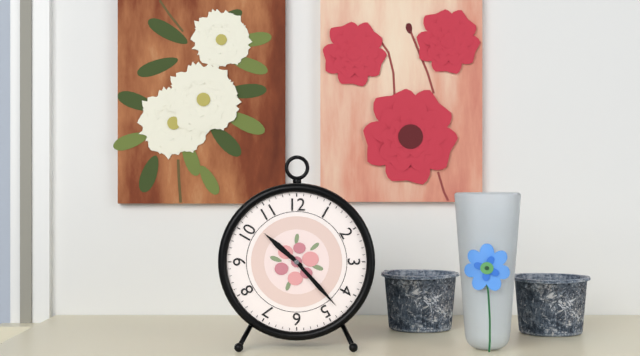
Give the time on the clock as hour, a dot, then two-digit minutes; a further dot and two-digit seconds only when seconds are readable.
10.23
